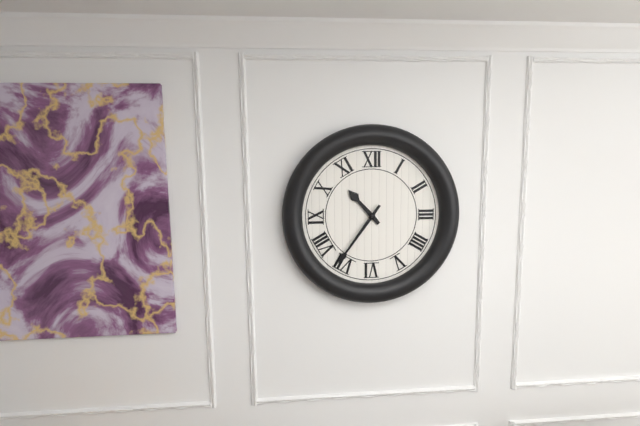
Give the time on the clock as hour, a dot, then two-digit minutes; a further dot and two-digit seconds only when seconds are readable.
10.36
